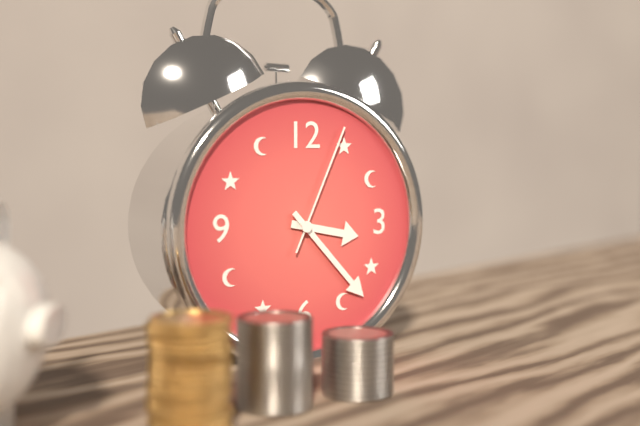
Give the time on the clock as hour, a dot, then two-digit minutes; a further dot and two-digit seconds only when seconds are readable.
3.23.04
